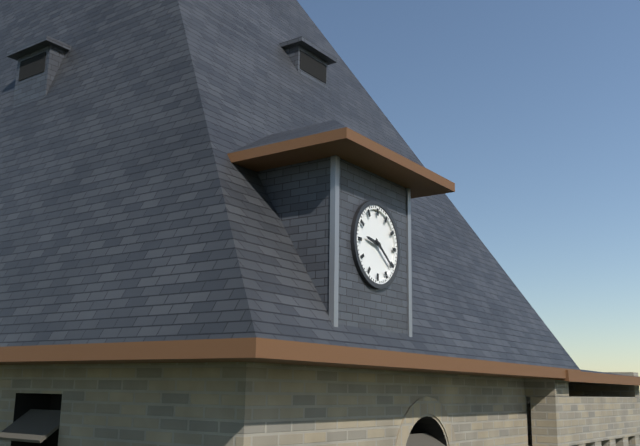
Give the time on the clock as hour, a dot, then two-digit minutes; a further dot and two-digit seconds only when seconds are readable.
9.21
